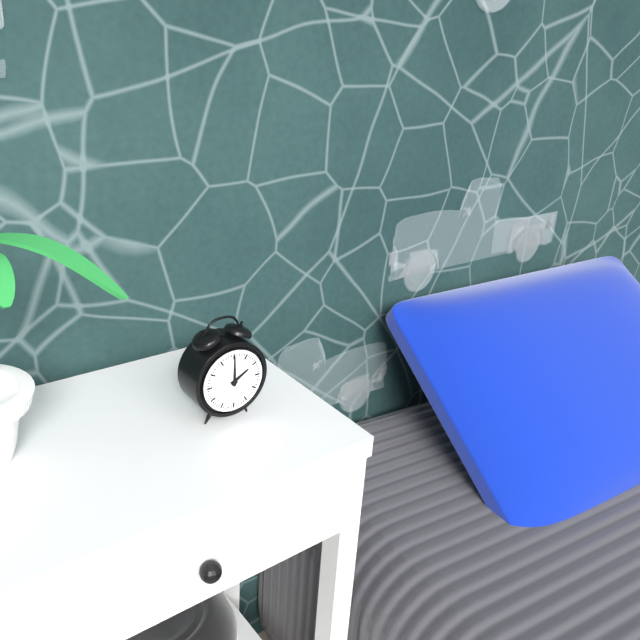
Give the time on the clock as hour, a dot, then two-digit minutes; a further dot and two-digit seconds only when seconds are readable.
2.00
